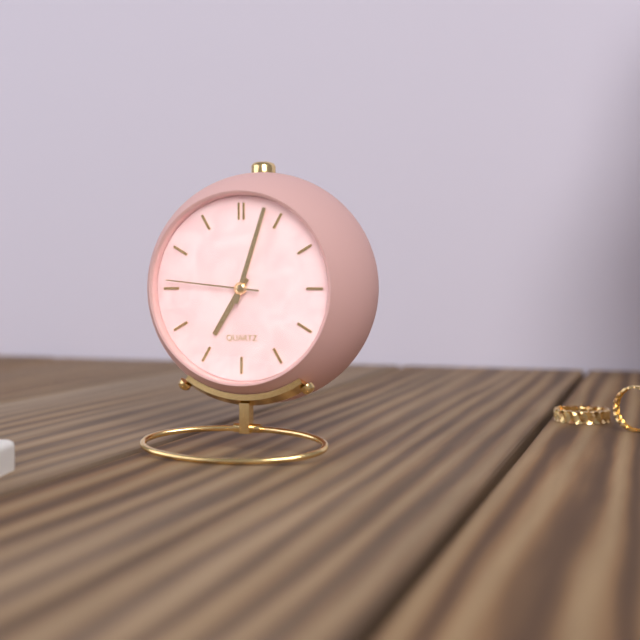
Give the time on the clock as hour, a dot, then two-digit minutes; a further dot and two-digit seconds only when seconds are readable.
7.03.46
